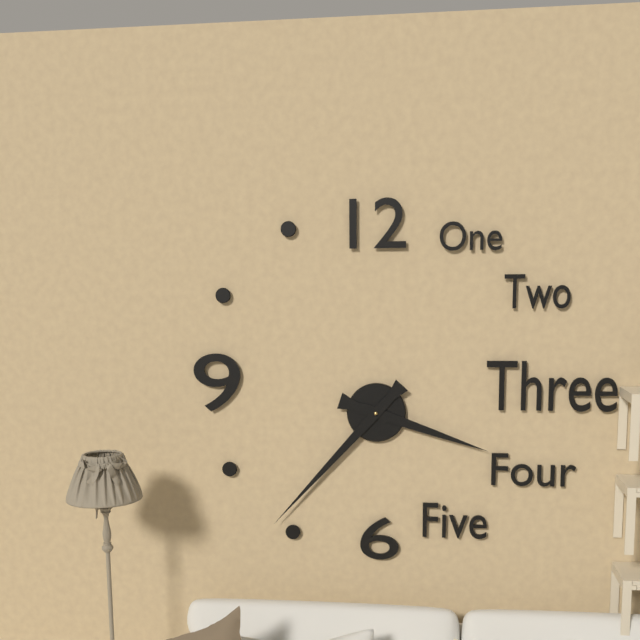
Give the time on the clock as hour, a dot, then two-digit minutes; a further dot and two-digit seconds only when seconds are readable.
3.37
